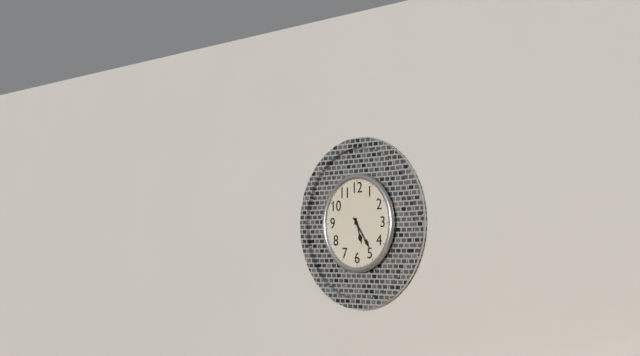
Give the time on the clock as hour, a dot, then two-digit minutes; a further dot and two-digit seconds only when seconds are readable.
5.24
